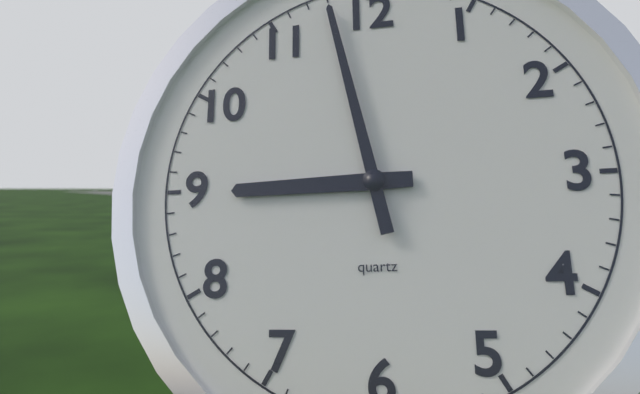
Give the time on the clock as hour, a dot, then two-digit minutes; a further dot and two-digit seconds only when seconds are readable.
8.58
